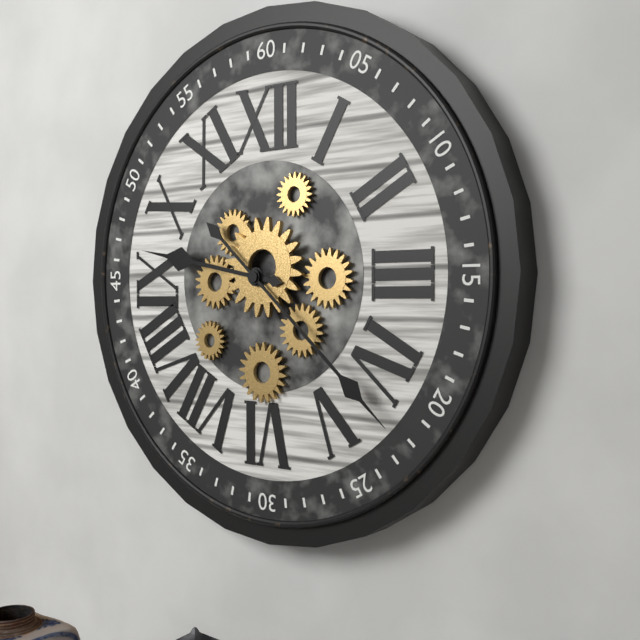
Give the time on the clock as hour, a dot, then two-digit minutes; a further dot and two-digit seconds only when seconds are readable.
9.22
